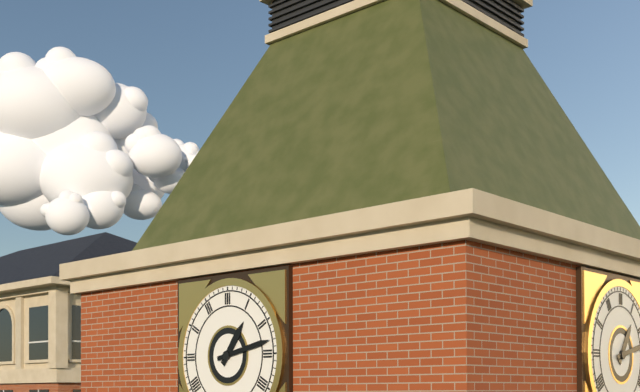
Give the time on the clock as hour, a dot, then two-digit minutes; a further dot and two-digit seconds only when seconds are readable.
1.13
